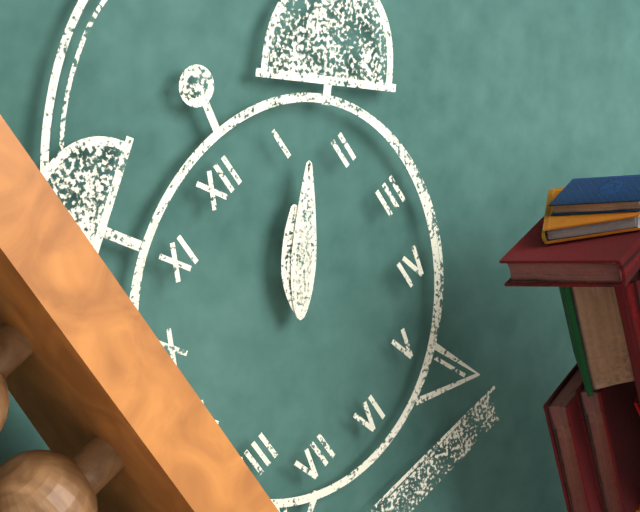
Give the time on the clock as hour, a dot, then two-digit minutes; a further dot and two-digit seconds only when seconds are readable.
1.07
